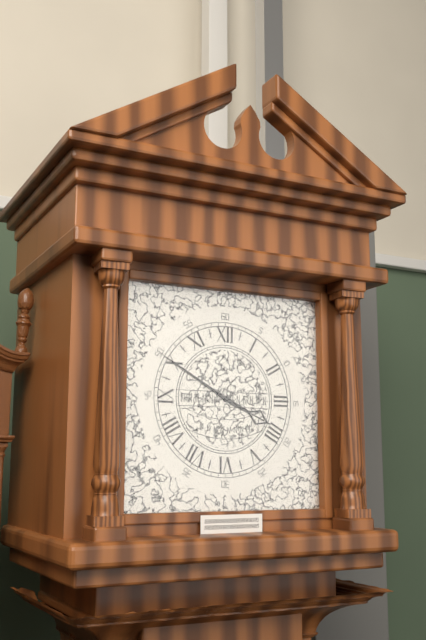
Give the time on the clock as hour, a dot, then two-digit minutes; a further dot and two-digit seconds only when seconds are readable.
3.50
